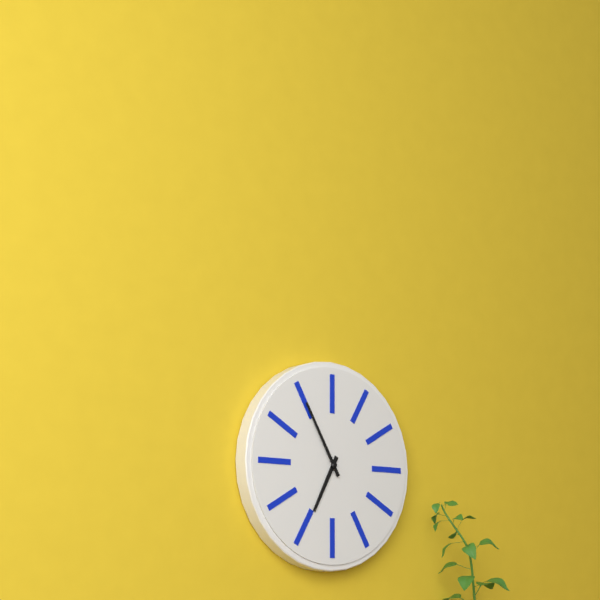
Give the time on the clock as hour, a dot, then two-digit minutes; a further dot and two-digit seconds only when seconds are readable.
6.55
